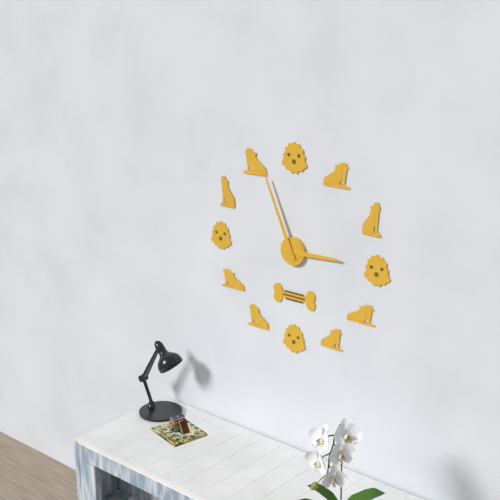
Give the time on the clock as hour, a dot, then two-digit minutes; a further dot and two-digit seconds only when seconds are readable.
2.56
